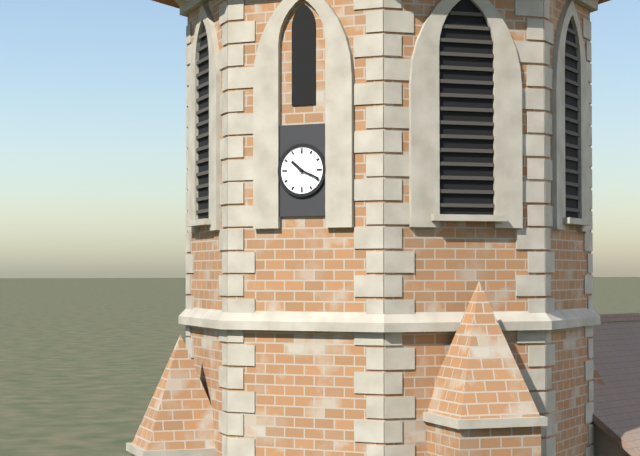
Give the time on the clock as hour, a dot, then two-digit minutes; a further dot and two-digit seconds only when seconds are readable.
10.19
